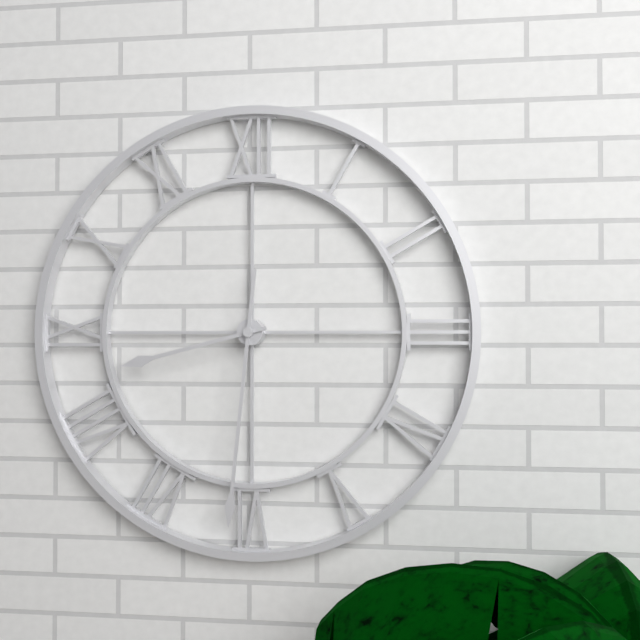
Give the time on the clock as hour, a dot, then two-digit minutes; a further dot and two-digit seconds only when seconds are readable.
8.31
